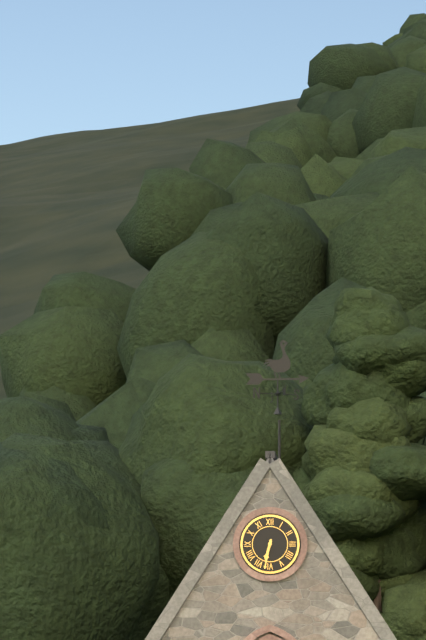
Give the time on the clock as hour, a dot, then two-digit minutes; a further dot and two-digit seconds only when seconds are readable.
6.32
